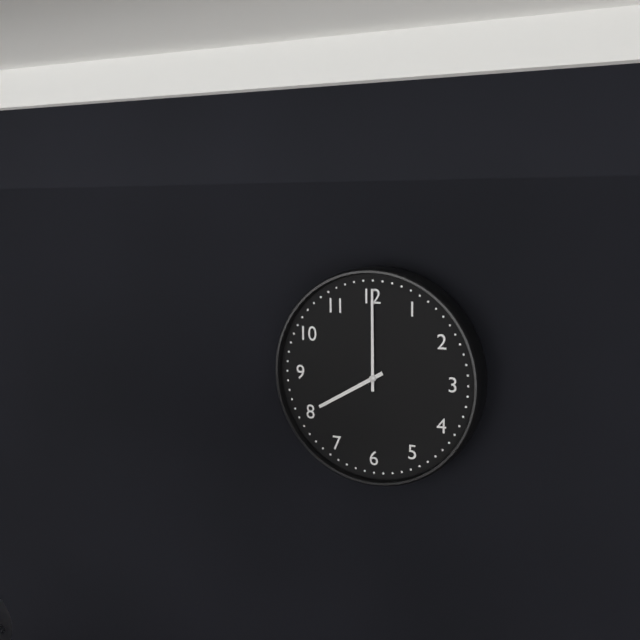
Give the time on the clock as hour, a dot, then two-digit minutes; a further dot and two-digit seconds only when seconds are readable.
8.00
